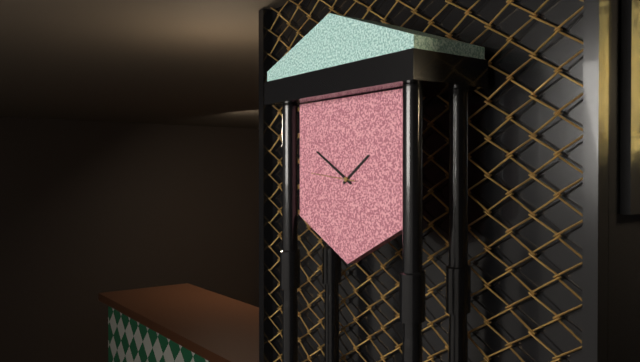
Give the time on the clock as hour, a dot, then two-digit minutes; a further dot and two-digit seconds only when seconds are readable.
1.50
